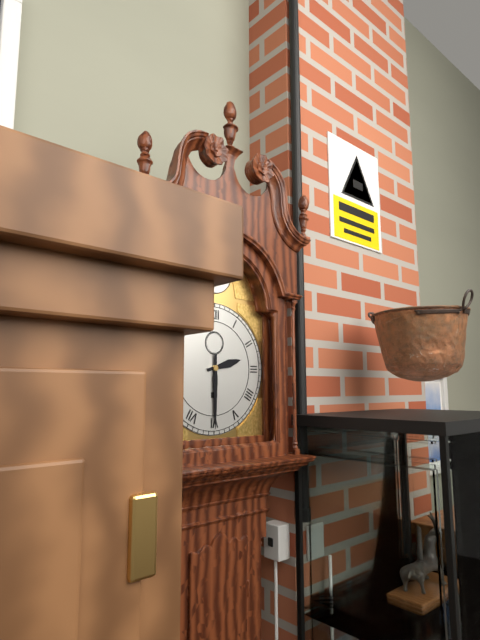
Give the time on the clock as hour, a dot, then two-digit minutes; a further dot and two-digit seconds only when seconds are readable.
2.30
